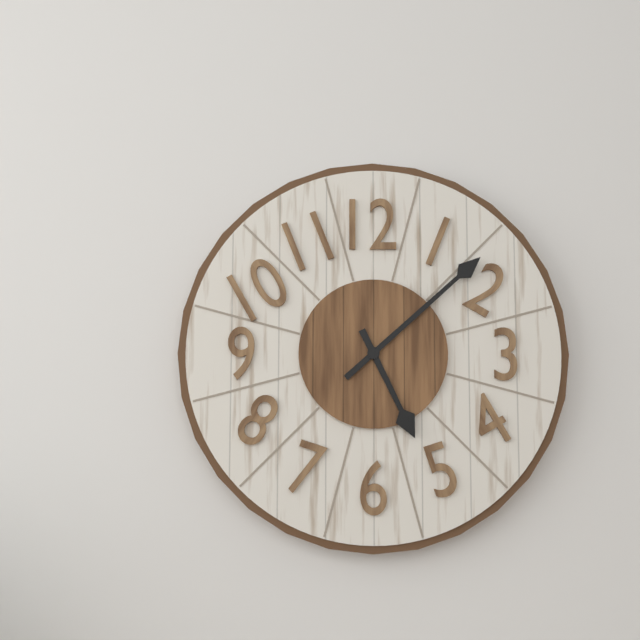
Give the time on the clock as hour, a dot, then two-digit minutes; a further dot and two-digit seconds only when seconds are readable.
5.08
